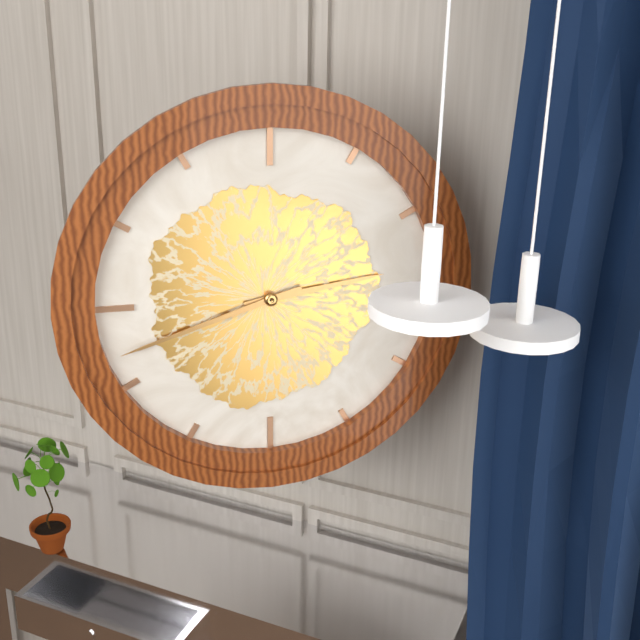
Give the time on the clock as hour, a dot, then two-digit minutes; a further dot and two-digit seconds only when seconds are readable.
2.42
